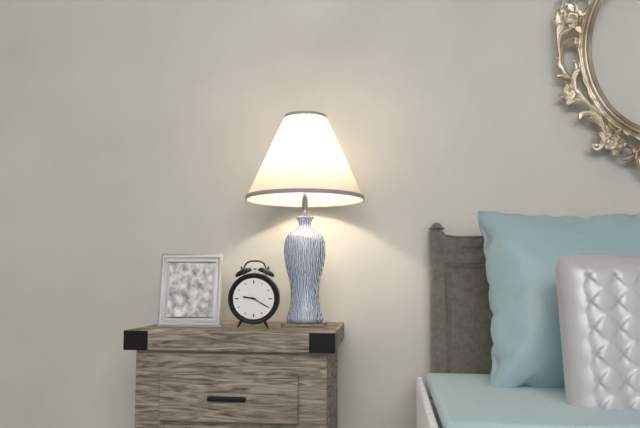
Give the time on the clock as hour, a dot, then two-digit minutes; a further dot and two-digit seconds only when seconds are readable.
9.20
